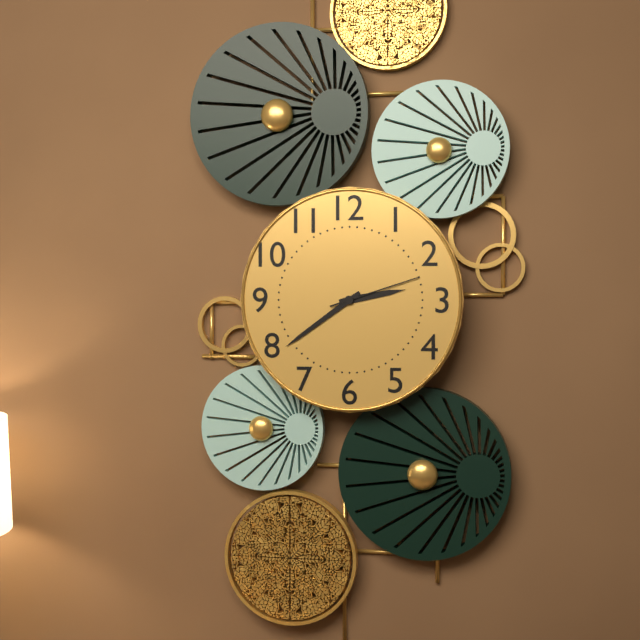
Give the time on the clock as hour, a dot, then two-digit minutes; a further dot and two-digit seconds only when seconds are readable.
2.39.12
